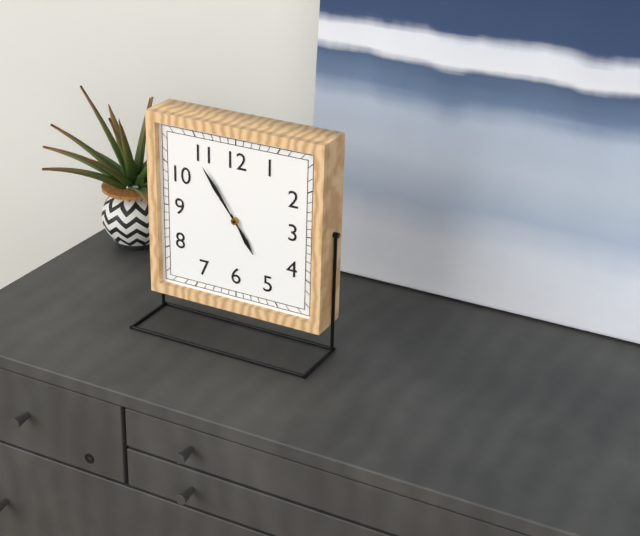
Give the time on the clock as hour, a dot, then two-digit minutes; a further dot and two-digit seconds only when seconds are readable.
4.54
